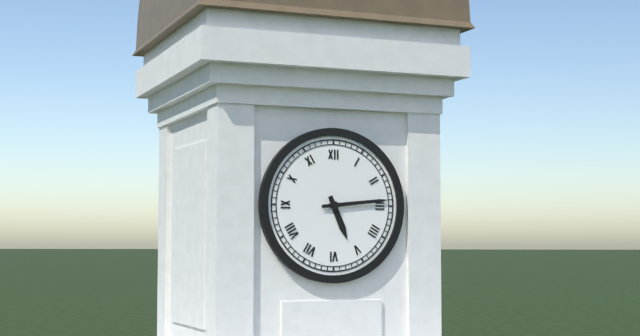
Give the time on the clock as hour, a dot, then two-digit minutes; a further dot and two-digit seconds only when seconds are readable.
5.14
